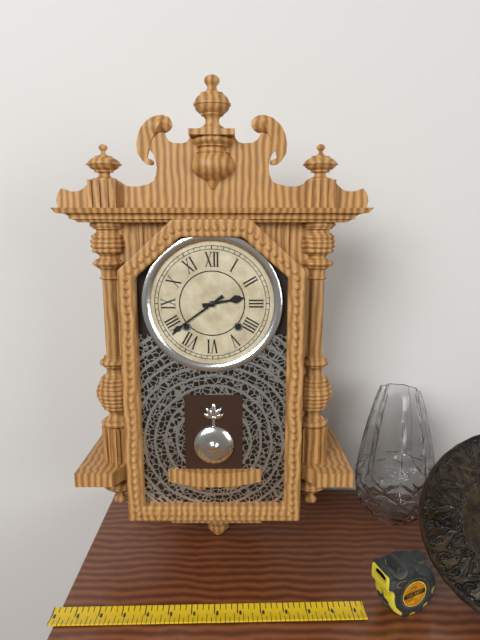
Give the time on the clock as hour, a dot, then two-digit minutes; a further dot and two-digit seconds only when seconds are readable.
2.39
